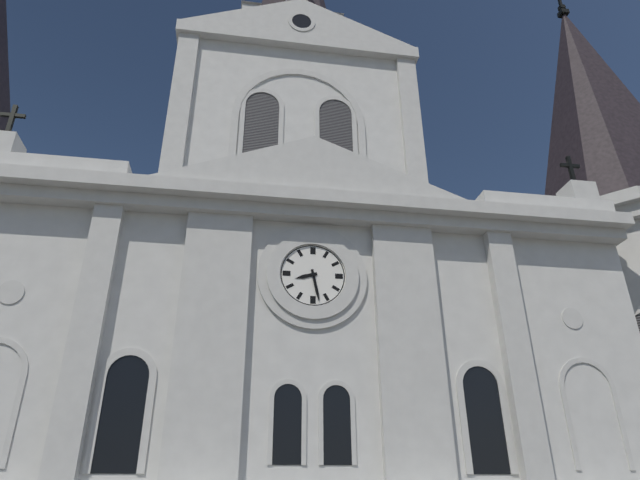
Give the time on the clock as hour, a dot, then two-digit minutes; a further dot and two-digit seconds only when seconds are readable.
8.28
